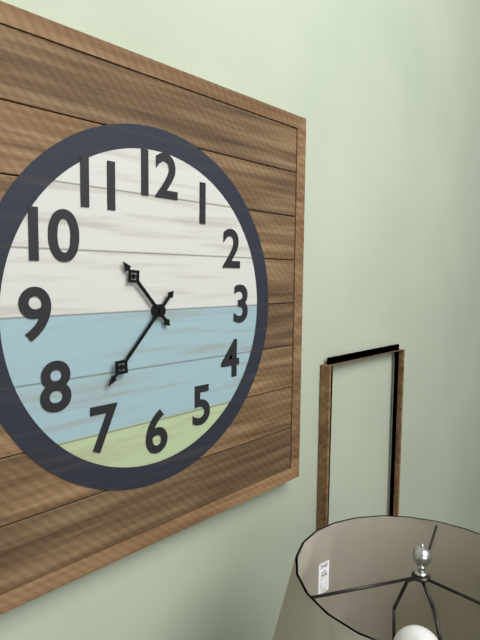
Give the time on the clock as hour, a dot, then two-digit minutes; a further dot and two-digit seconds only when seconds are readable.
10.37
